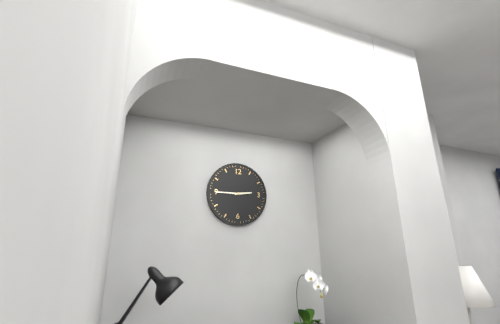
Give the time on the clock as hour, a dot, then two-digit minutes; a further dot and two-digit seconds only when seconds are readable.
2.45
